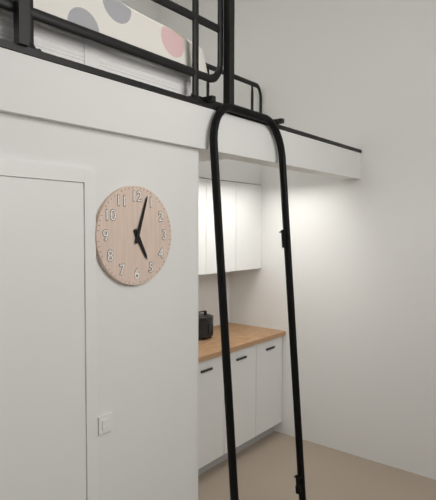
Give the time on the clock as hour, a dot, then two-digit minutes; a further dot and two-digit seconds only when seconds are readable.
5.03
